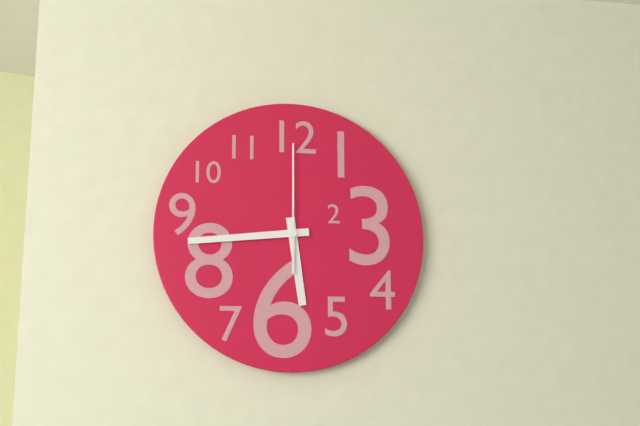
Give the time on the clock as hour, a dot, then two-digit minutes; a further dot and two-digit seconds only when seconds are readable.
5.44.00
